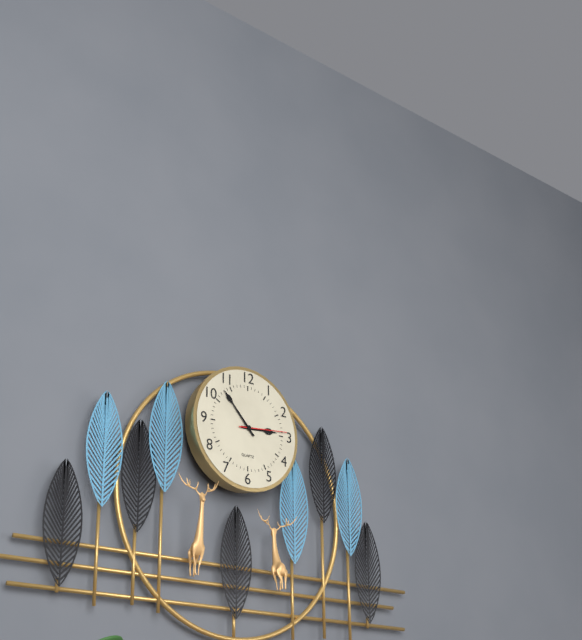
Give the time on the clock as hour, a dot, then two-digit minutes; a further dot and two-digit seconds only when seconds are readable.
2.53
